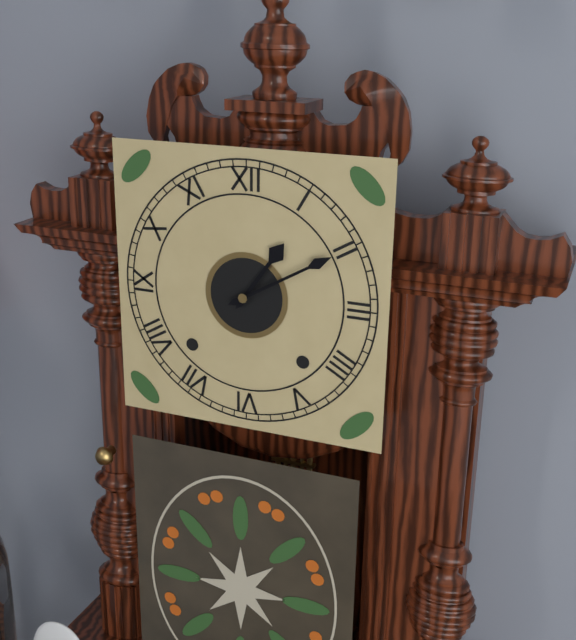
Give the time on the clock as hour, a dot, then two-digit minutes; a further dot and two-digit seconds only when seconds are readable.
1.10
